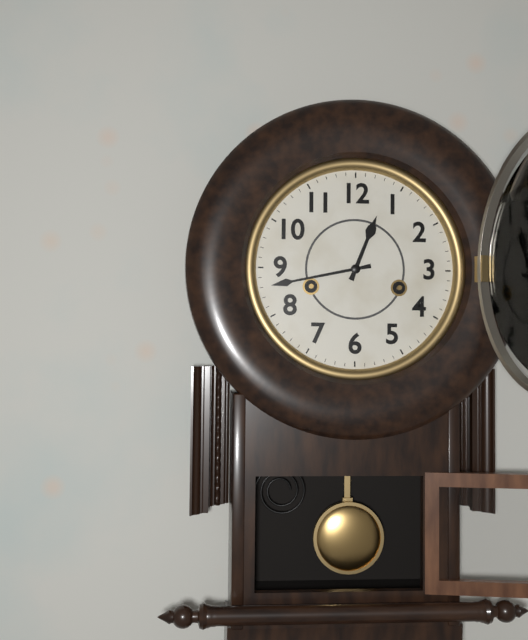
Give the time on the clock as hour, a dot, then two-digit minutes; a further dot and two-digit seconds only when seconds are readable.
12.43
